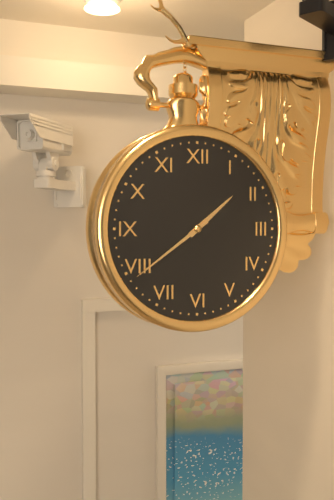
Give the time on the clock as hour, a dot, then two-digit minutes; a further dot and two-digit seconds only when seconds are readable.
1.39
